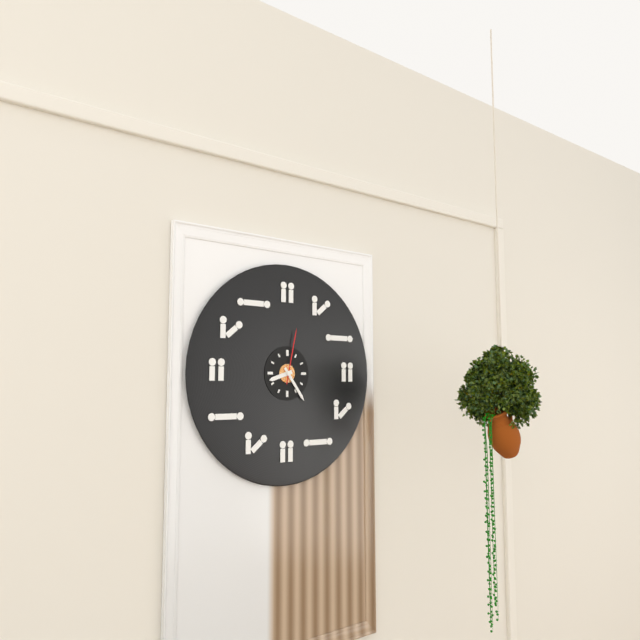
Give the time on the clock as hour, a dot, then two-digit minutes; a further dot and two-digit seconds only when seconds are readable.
8.24.02
